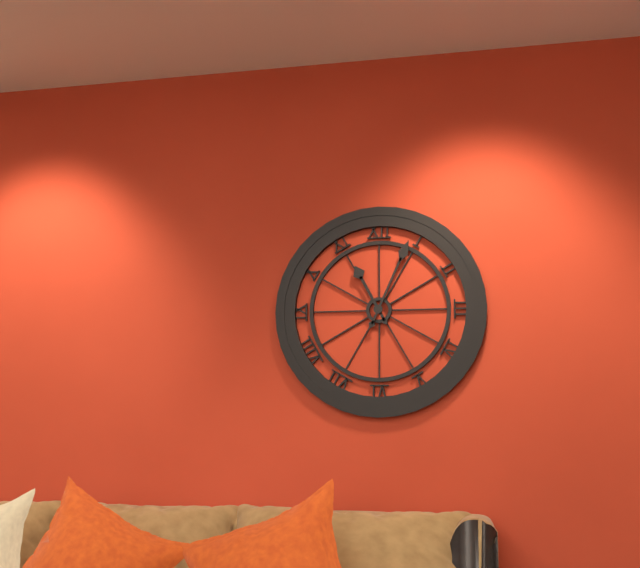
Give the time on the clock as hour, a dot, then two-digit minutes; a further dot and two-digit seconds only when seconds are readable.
11.04
